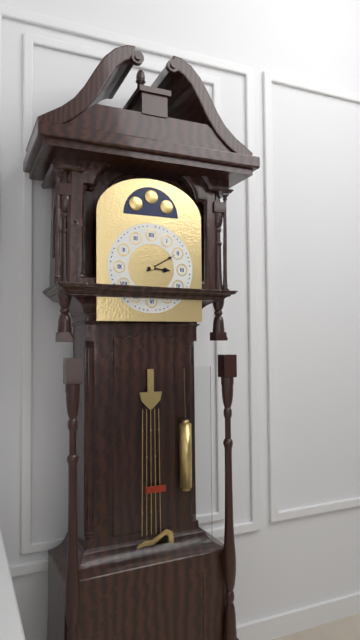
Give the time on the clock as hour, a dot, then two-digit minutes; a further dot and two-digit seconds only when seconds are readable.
3.10
